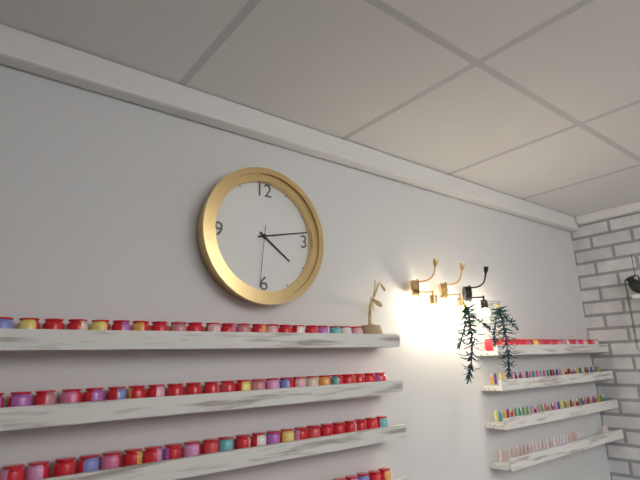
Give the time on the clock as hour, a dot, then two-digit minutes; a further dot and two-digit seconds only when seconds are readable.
4.13.31
